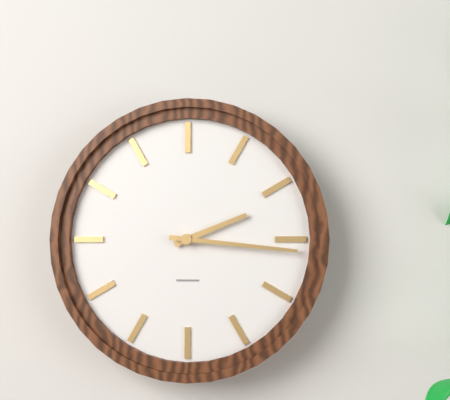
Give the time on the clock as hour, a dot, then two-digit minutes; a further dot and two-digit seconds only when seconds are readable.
2.16
